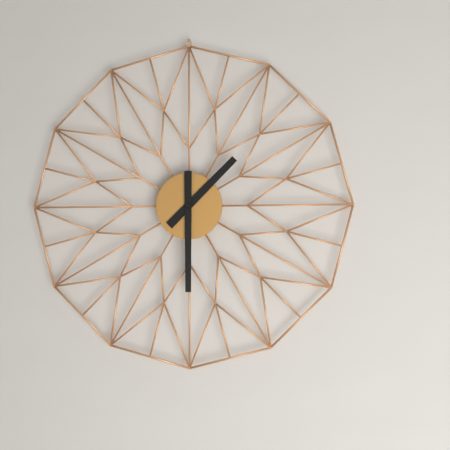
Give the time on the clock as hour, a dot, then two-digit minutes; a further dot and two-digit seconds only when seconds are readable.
1.30
